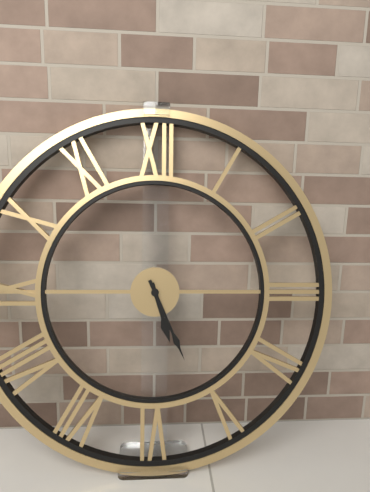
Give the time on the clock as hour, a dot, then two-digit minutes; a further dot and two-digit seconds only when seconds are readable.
5.26
